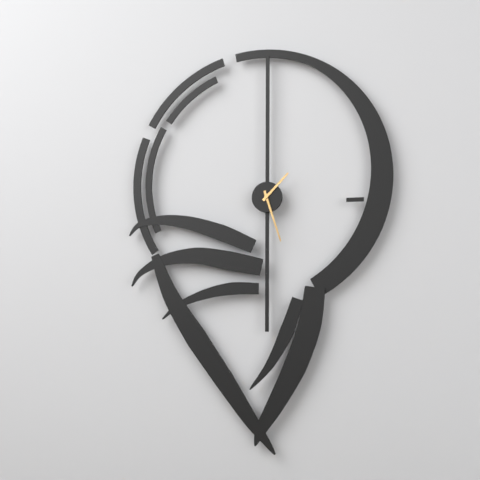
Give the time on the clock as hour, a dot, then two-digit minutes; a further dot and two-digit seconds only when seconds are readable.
1.27
